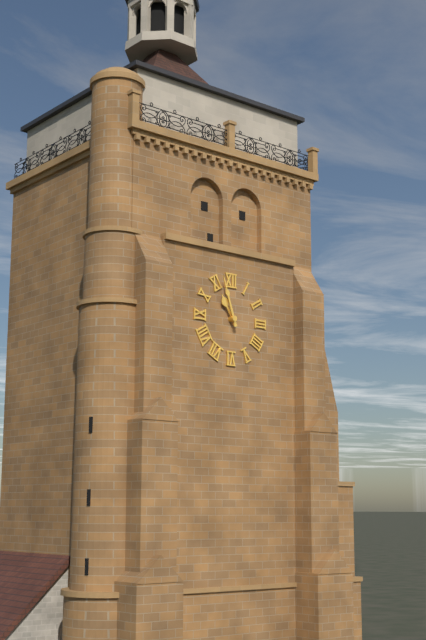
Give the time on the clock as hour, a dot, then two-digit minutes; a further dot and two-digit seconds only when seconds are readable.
10.57
